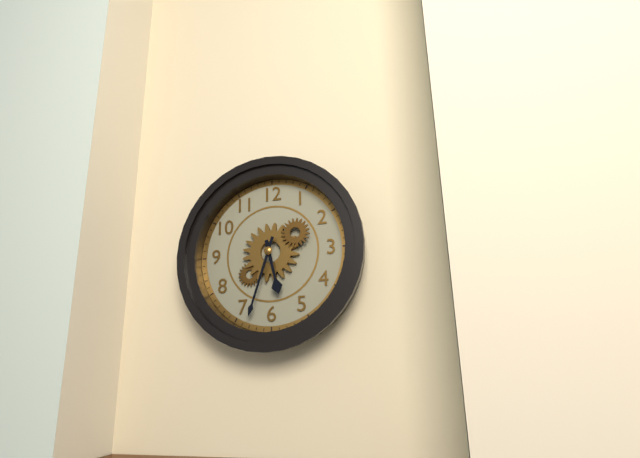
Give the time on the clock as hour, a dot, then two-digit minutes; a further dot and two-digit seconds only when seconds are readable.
5.33
